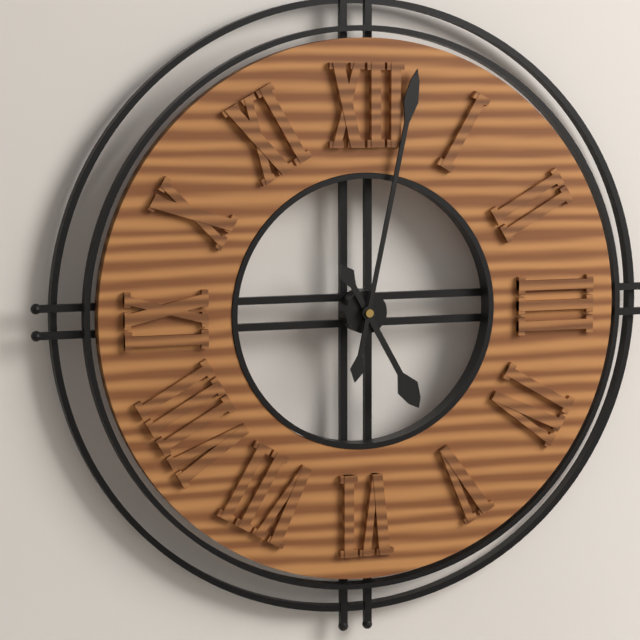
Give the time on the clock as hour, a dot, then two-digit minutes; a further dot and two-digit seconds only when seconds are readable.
5.02
